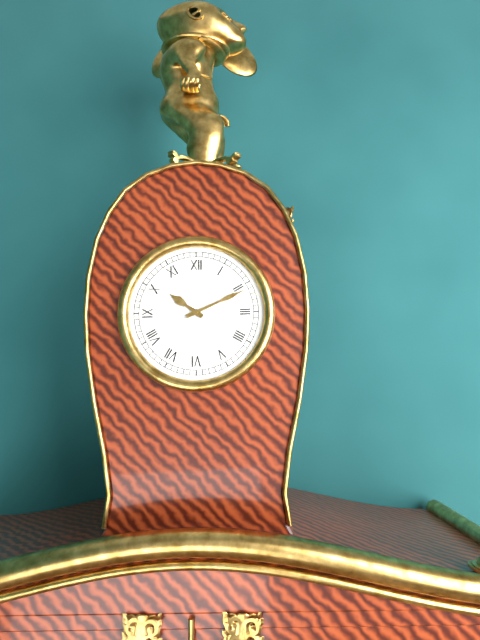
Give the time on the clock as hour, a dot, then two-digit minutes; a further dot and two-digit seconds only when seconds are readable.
10.11
